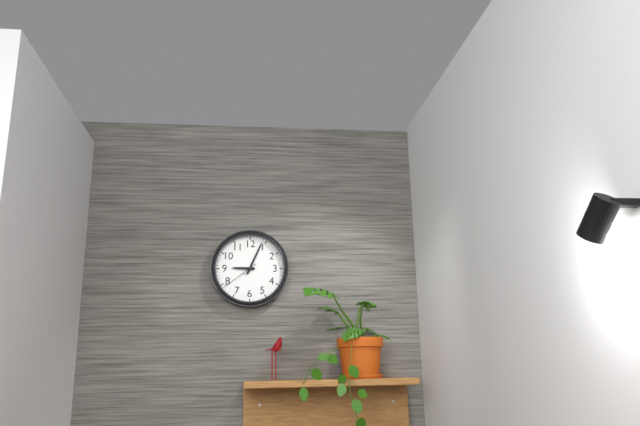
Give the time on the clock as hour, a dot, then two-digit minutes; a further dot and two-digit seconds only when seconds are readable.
9.04
